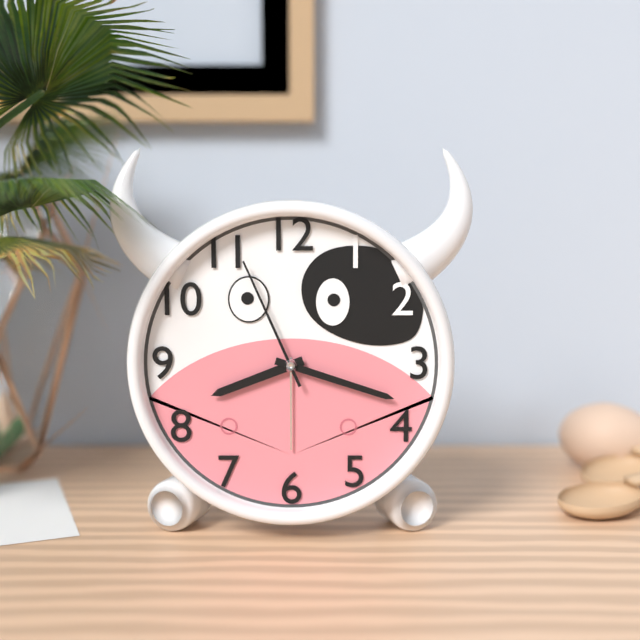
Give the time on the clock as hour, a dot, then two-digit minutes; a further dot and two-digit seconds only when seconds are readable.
8.18.56
